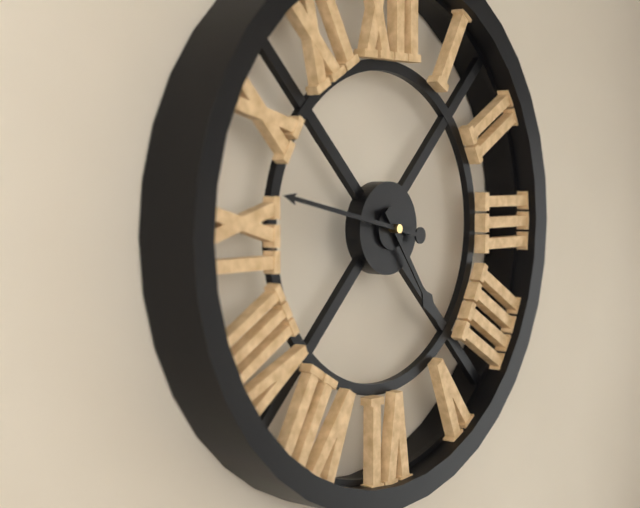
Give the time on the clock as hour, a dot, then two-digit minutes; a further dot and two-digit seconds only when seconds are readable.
4.47
